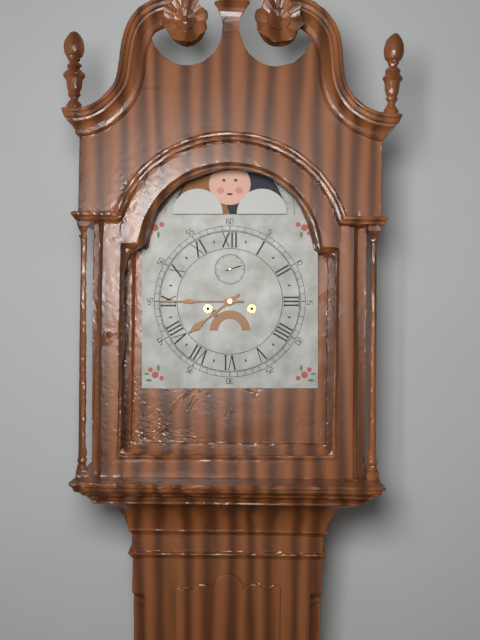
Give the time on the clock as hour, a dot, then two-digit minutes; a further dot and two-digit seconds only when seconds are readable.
7.45
